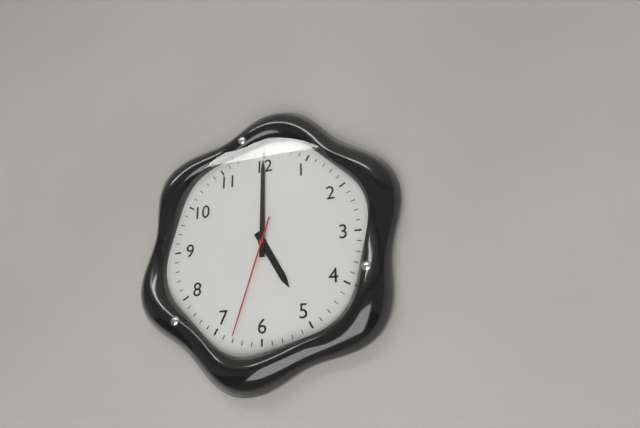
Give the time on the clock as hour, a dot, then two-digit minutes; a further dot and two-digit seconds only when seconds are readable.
5.00.33
